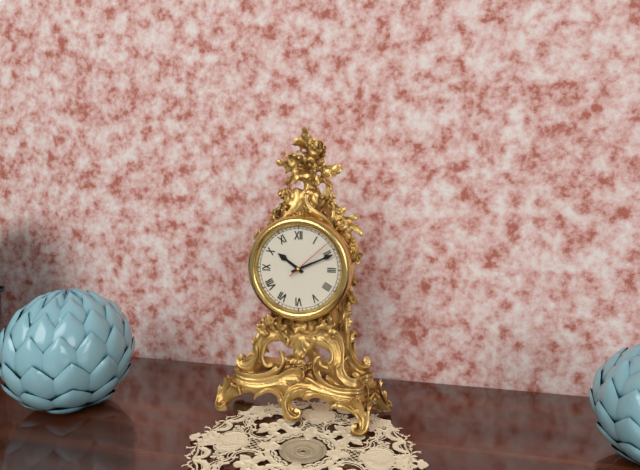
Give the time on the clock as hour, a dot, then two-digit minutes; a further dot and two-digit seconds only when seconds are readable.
10.11.08
